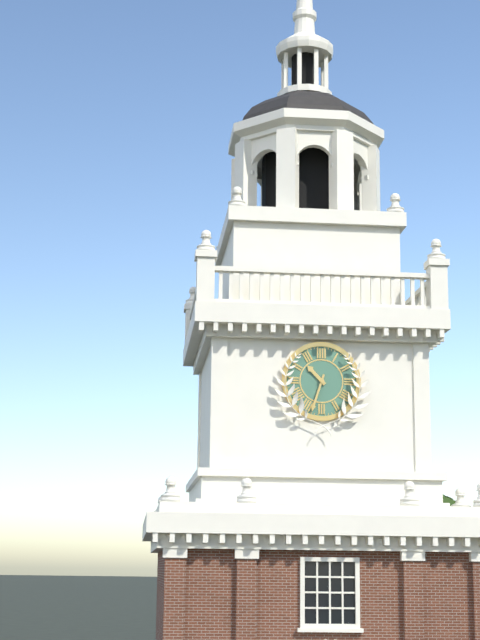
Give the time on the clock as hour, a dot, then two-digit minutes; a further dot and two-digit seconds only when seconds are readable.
10.33
